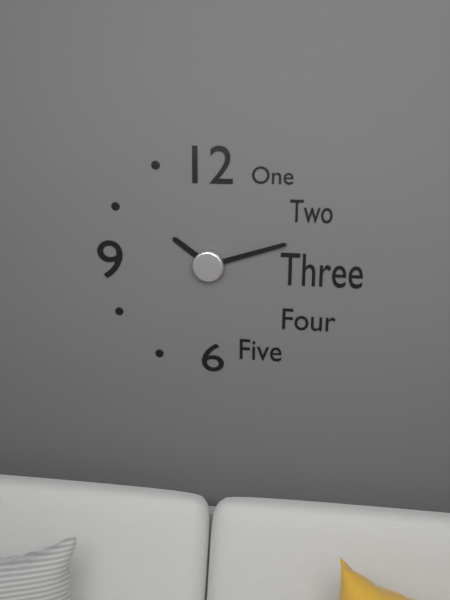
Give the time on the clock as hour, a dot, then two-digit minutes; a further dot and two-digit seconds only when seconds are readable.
10.12
